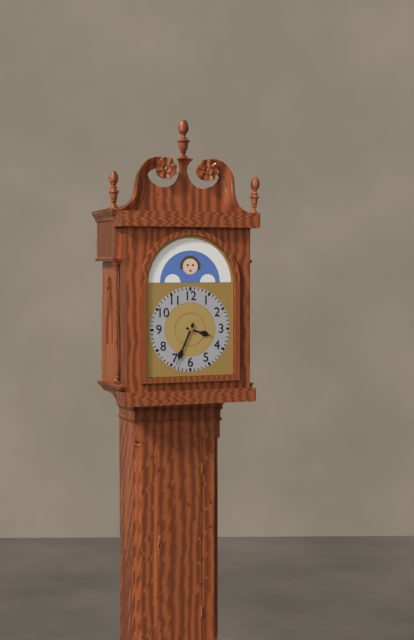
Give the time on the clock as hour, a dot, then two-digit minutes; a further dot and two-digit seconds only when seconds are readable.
3.34
